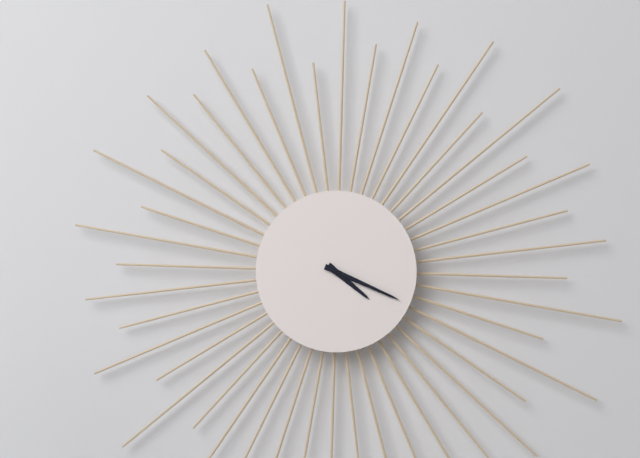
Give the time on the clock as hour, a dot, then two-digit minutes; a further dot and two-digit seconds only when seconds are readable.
4.19
